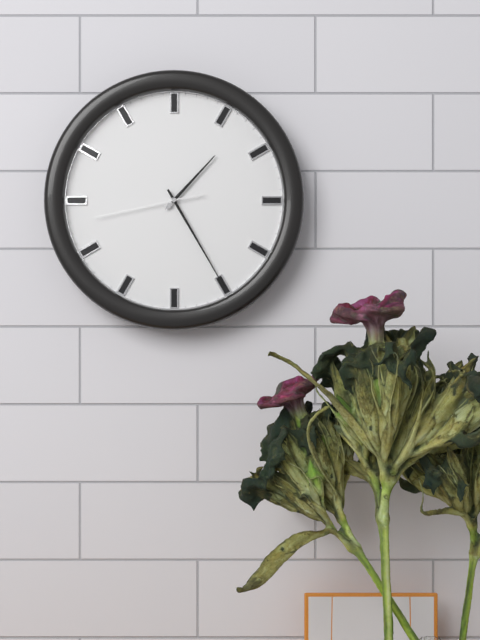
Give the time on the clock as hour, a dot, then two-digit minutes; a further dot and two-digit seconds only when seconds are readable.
1.25.43
